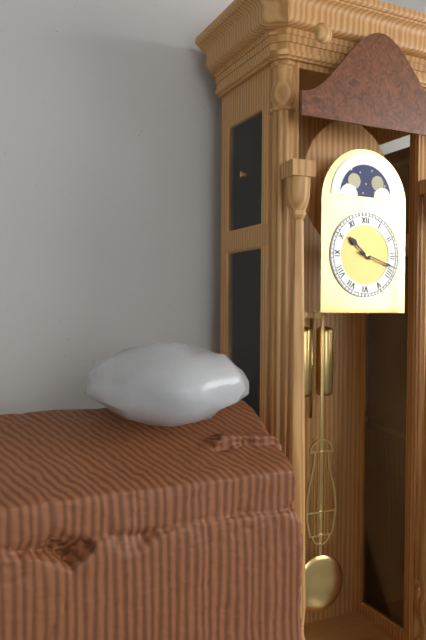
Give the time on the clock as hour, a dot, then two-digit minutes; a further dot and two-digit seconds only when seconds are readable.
10.18
